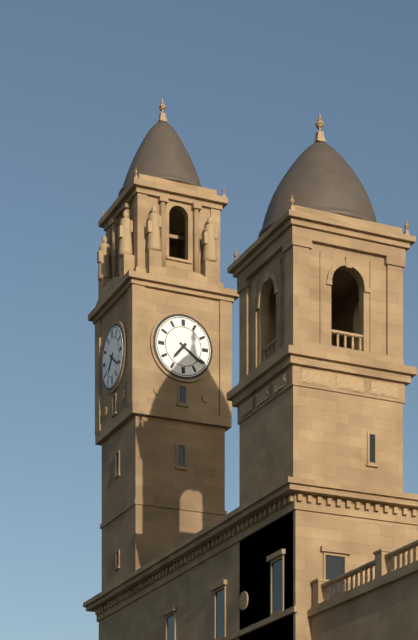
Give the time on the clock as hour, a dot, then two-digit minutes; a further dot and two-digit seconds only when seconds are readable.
7.21
